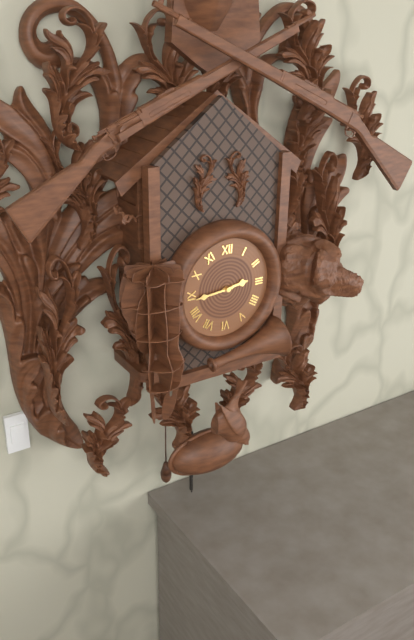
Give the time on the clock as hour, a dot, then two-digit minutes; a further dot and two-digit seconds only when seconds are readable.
2.44
